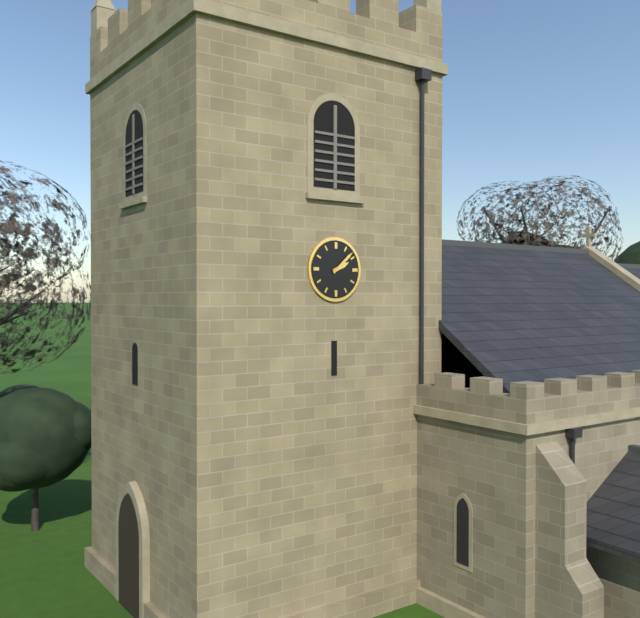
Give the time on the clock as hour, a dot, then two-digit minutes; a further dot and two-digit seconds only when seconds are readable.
2.08
